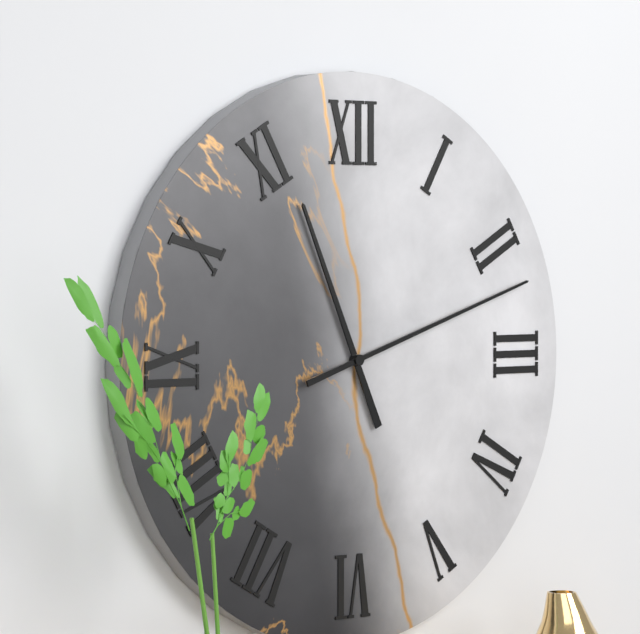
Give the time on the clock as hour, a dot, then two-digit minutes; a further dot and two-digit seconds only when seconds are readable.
11.12
